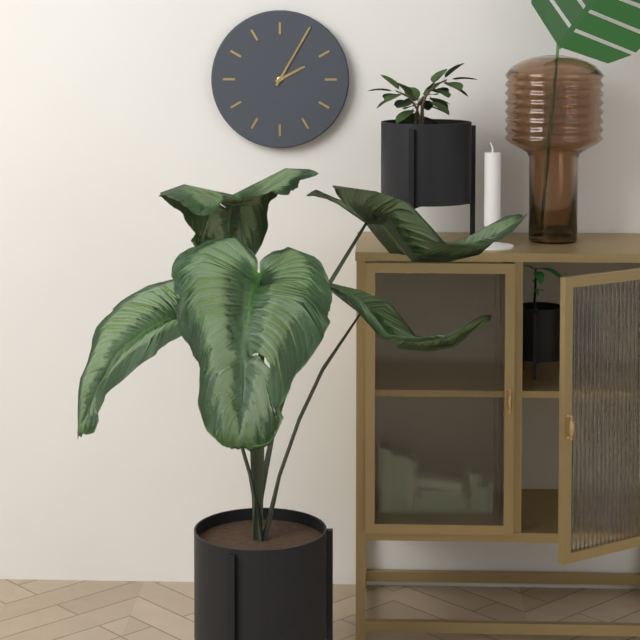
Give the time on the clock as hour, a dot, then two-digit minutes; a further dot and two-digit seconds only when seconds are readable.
2.05
